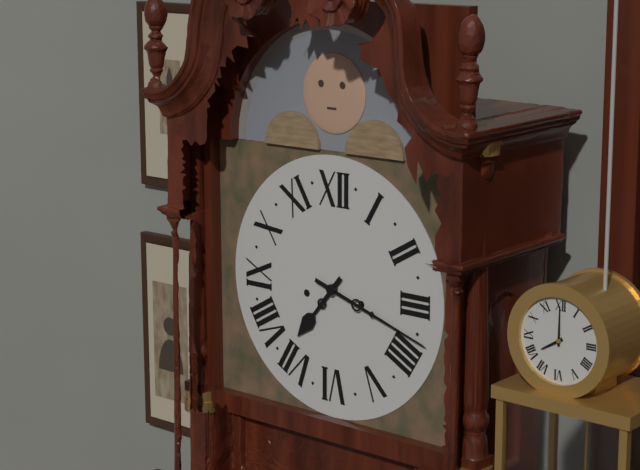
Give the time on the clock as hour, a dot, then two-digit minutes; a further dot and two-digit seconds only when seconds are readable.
7.18
